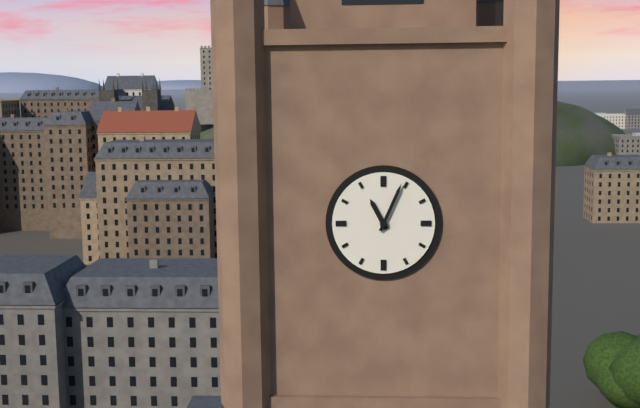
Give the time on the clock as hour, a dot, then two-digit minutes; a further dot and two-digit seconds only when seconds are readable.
11.04
